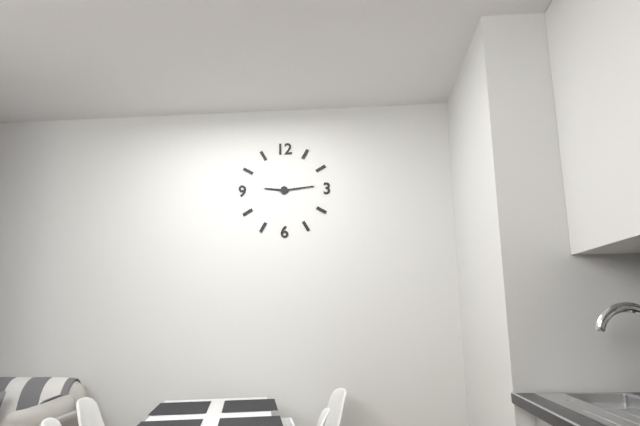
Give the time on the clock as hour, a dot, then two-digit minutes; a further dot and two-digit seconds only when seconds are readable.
9.14
